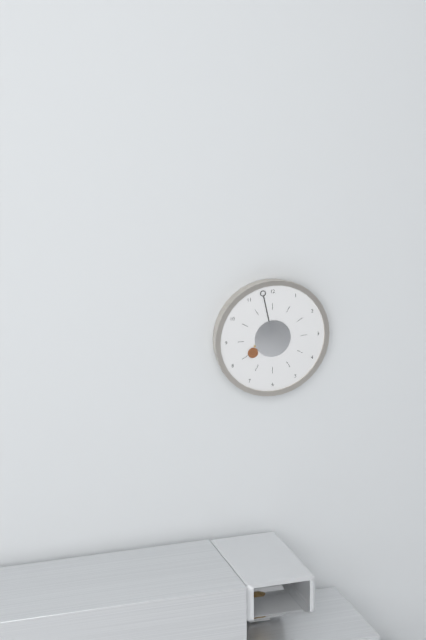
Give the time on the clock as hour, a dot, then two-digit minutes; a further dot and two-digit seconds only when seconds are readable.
7.58
